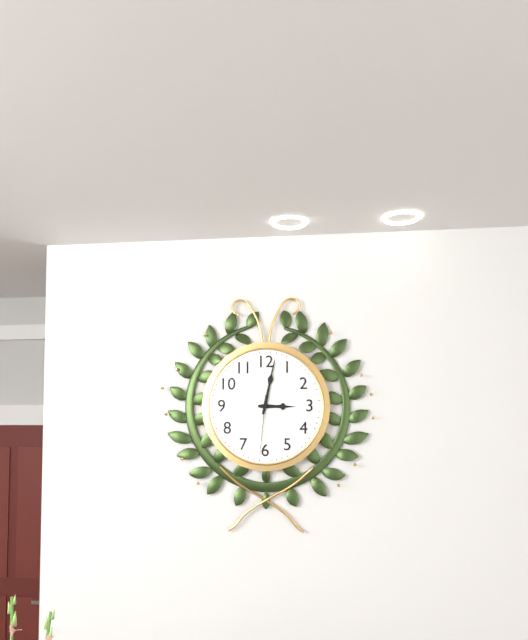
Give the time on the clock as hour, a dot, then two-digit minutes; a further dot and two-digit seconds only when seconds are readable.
3.02.31
